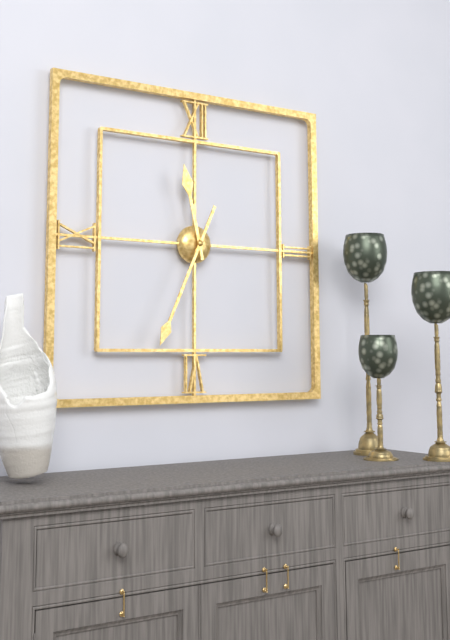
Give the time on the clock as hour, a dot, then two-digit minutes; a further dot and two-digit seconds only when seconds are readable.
11.34
